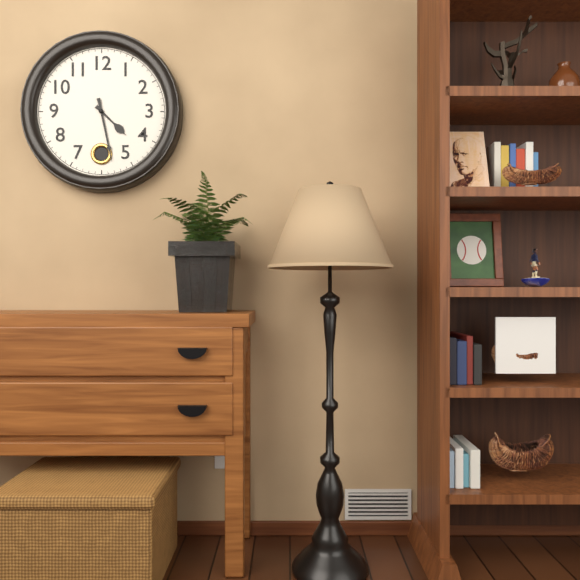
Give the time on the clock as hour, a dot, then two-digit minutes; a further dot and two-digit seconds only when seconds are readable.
4.28
